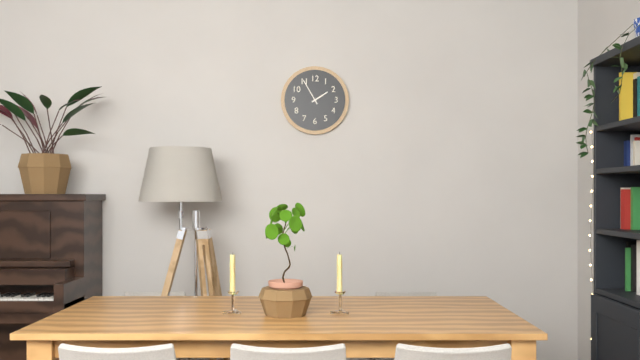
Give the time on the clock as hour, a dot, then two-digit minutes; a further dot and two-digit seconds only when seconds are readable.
1.55
